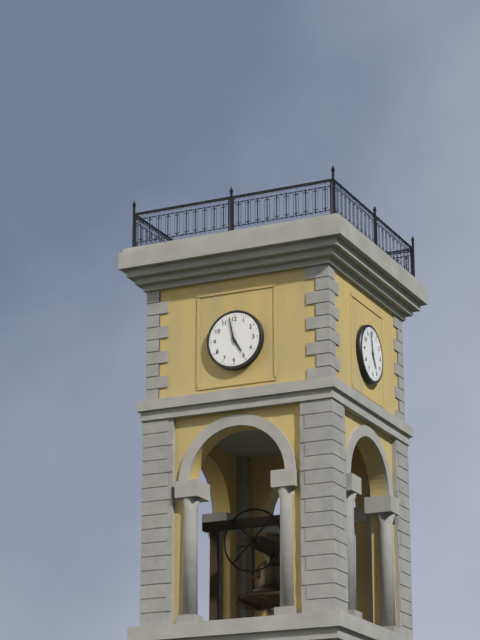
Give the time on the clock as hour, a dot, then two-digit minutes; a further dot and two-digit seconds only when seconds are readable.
4.58
